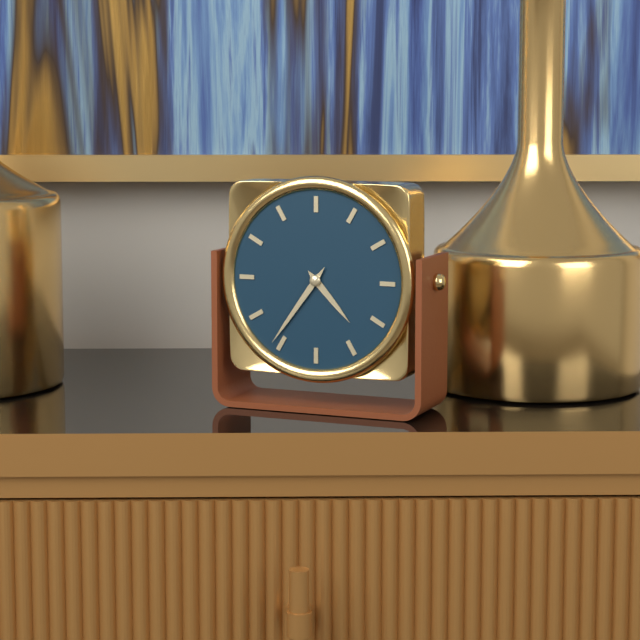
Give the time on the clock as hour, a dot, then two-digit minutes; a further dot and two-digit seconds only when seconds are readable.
4.36
